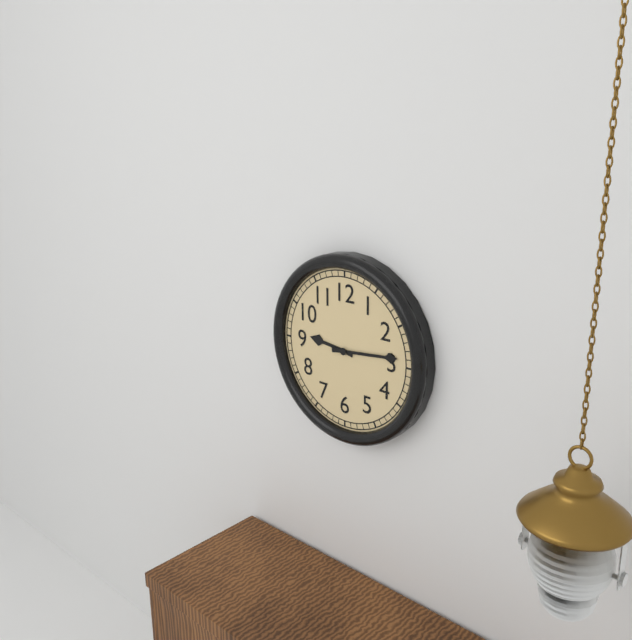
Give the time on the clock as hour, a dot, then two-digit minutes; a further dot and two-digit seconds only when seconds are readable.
9.14
